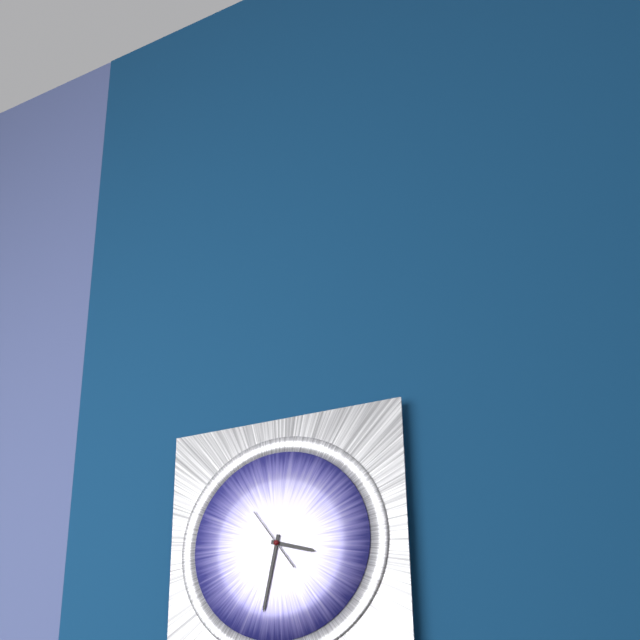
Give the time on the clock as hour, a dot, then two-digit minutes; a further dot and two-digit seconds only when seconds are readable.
3.32
